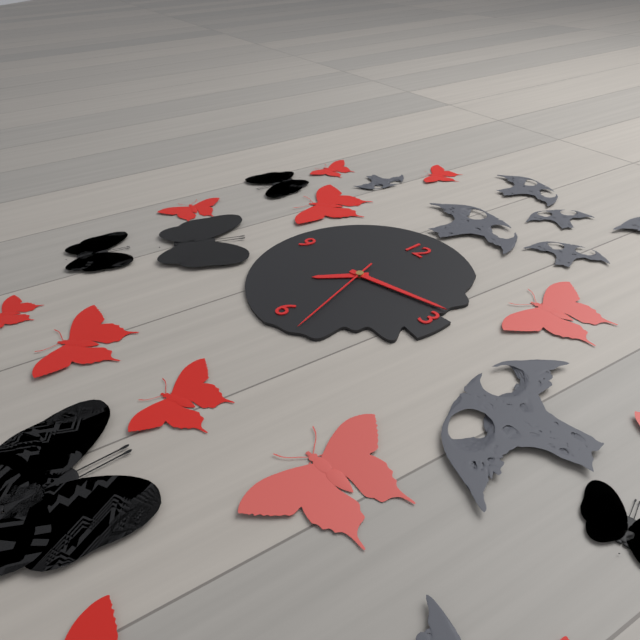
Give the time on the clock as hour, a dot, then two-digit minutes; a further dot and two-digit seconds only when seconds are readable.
7.13.27
